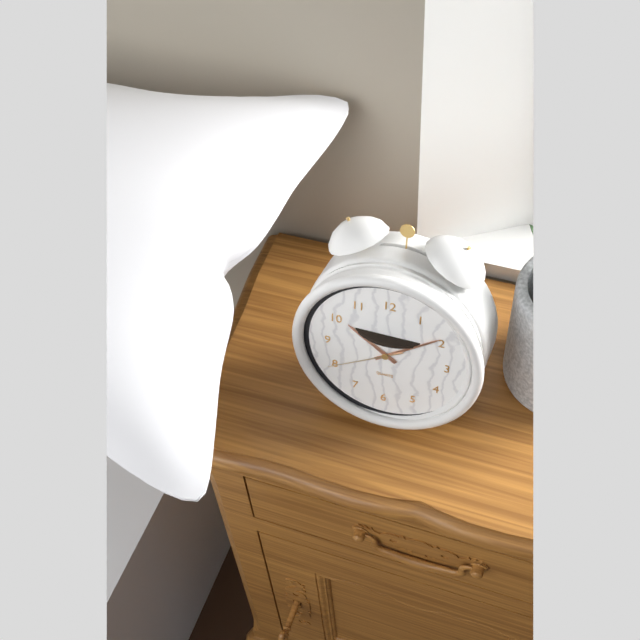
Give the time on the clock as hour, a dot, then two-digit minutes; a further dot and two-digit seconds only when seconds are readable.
10.09.40
